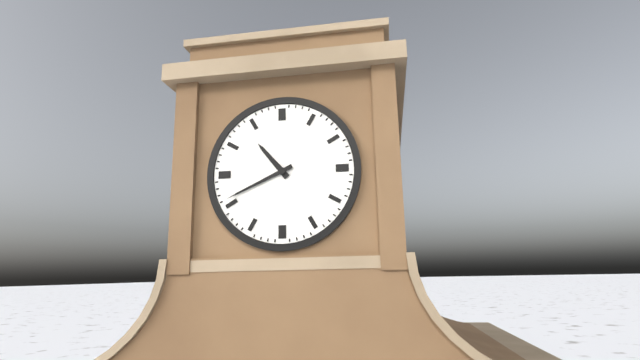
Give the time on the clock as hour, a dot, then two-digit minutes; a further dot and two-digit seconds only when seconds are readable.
10.41
